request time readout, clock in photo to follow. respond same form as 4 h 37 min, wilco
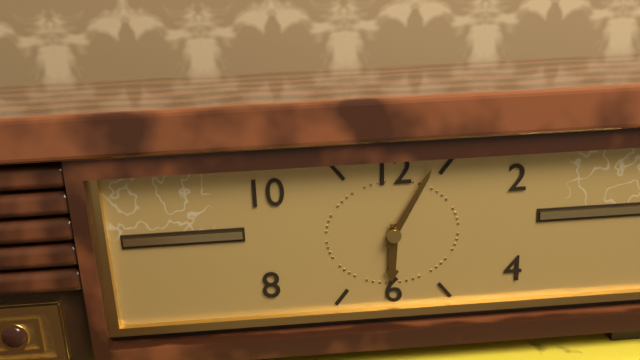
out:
6 h 05 min
